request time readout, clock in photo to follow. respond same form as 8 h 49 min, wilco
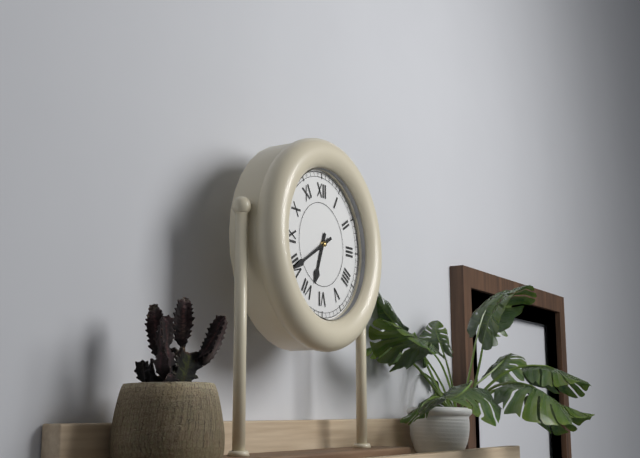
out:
6 h 40 min
